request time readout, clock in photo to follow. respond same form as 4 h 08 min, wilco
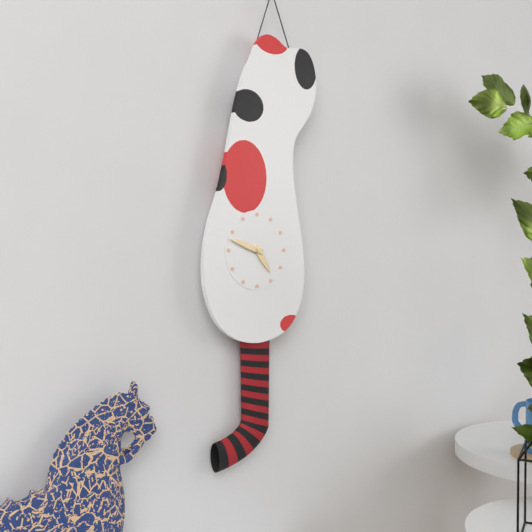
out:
4 h 48 min
